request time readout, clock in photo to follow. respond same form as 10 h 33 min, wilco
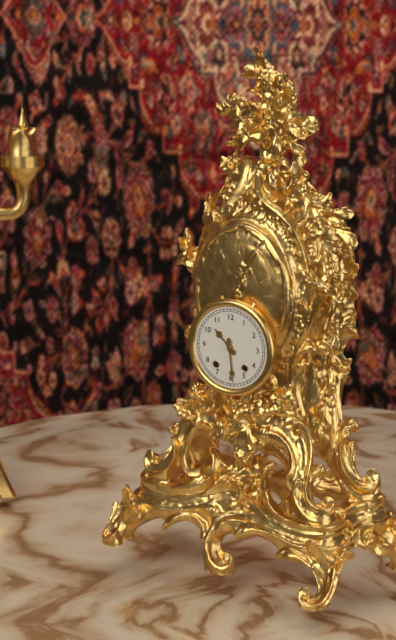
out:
10 h 29 min
